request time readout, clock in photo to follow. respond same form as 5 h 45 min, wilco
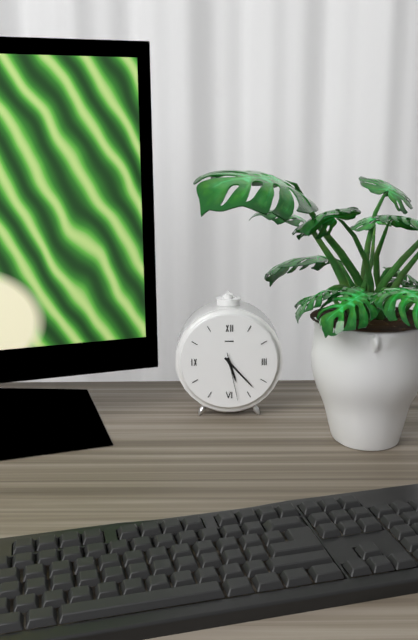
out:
5 h 23 min
